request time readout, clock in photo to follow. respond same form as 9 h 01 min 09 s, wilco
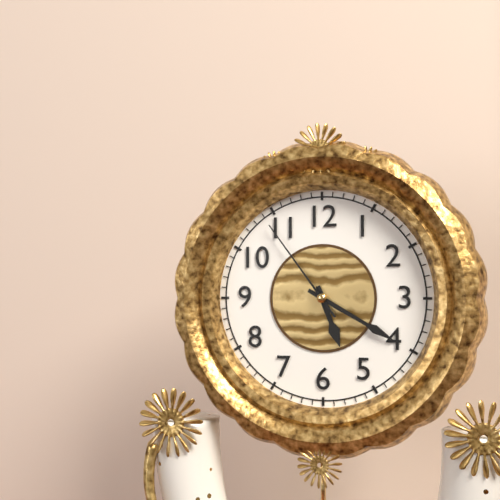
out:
5 h 20 min 54 s
